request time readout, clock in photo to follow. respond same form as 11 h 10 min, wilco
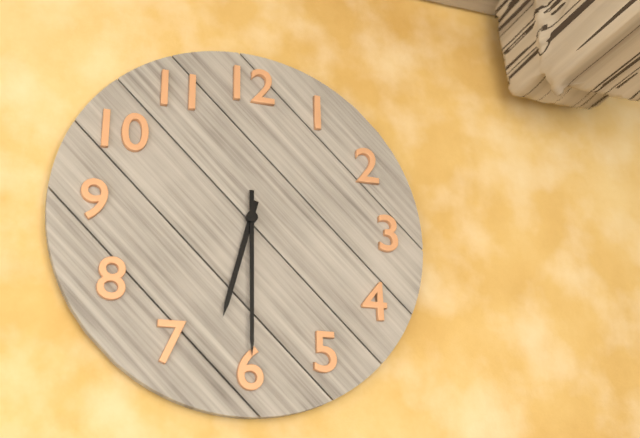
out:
6 h 30 min
